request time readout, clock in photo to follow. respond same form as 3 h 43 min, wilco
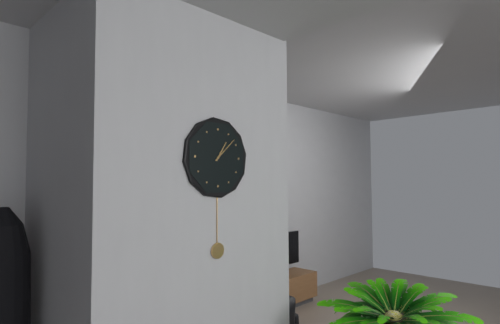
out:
1 h 08 min
